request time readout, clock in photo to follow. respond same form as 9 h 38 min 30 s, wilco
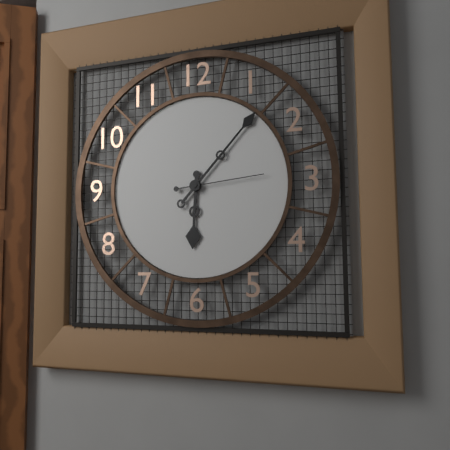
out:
6 h 07 min 14 s
